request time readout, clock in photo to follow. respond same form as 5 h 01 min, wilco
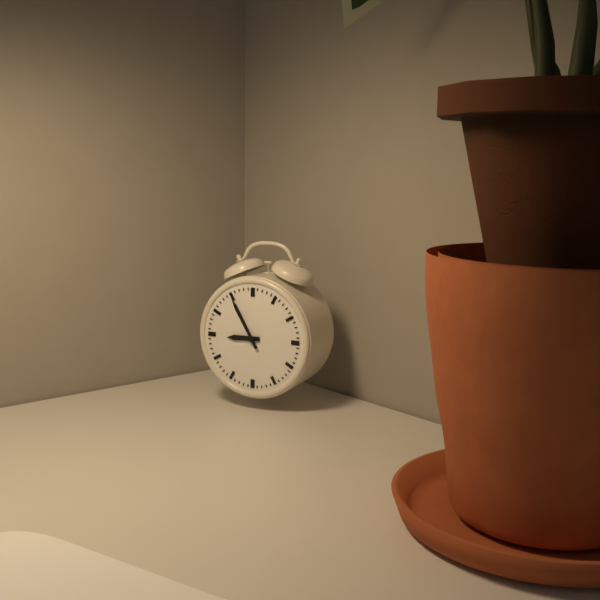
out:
8 h 55 min
